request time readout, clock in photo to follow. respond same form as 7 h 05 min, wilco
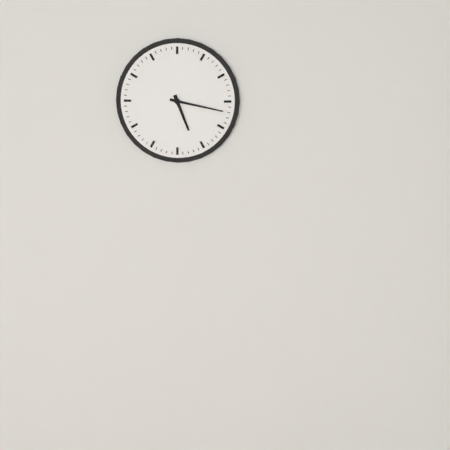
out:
5 h 17 min
